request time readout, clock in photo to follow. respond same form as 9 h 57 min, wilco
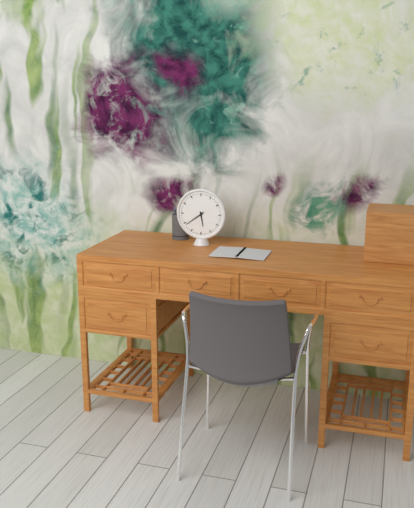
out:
5 h 39 min
